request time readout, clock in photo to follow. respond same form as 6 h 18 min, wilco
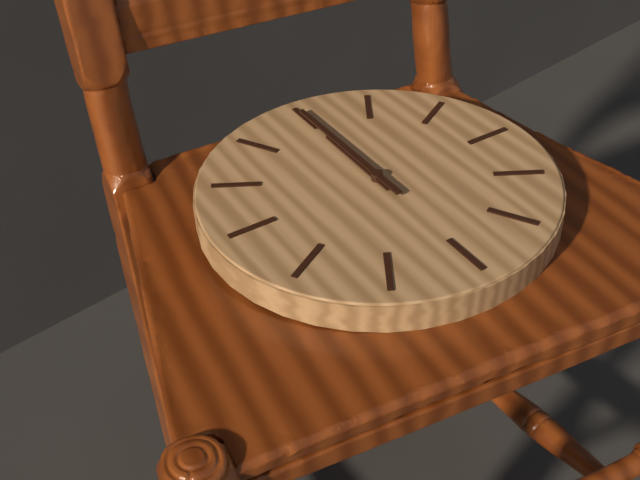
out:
12 h 00 min
